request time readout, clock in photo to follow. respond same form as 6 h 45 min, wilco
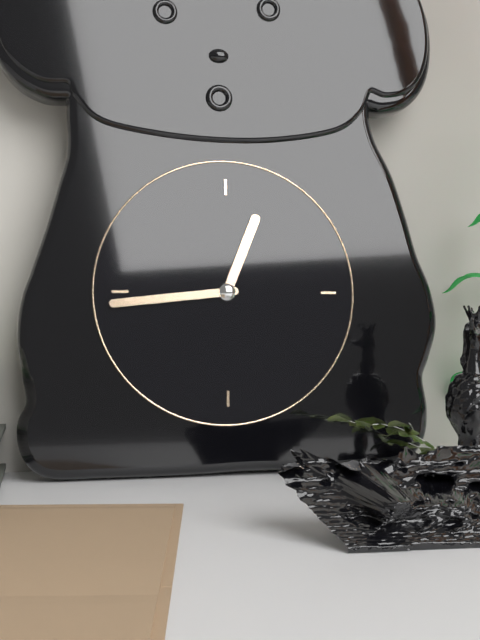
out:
12 h 44 min
